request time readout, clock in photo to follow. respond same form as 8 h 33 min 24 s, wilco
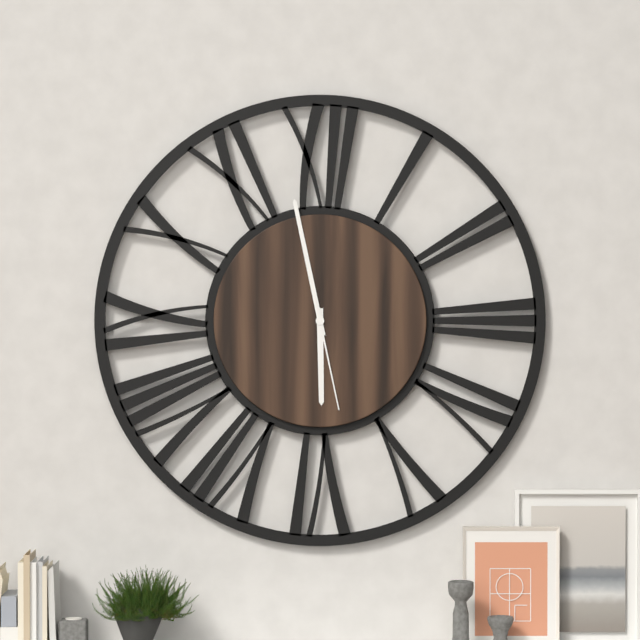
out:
5 h 58 min 28 s
